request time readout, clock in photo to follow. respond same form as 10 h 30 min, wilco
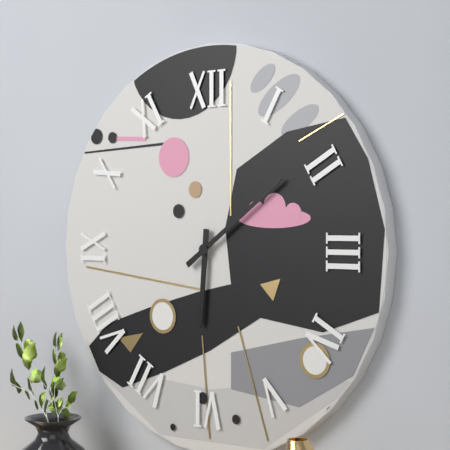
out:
6 h 09 min
